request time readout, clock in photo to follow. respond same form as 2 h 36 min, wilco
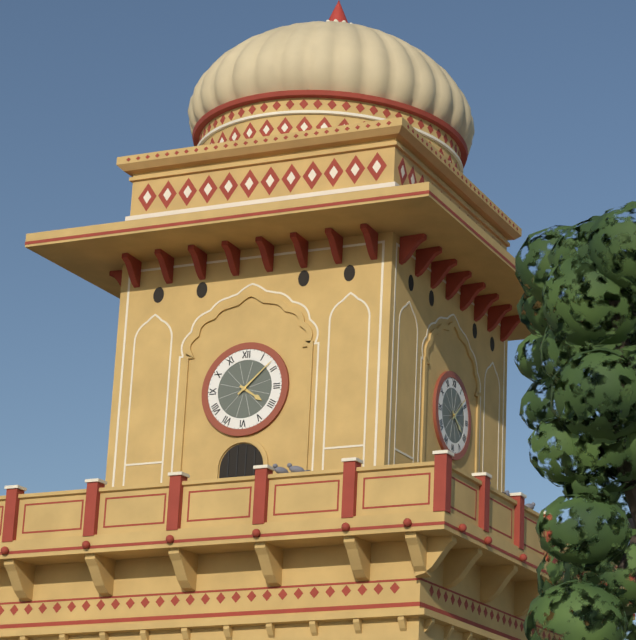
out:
4 h 08 min
